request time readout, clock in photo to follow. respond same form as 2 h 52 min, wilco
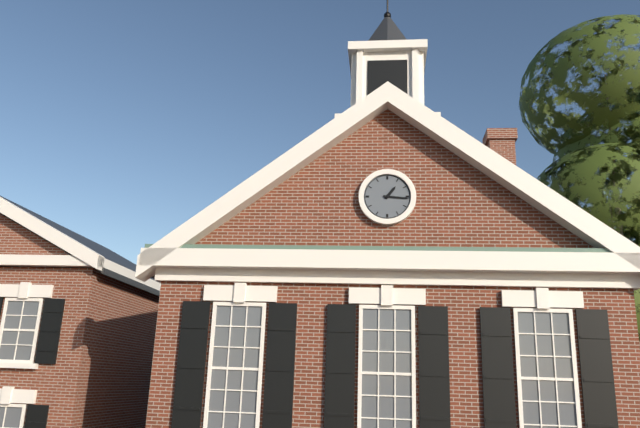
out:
1 h 16 min
